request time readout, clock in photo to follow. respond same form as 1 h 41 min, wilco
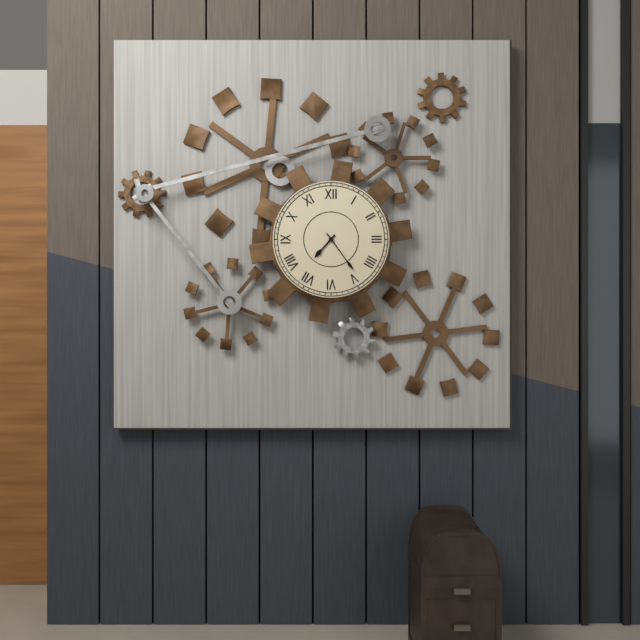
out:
7 h 24 min
